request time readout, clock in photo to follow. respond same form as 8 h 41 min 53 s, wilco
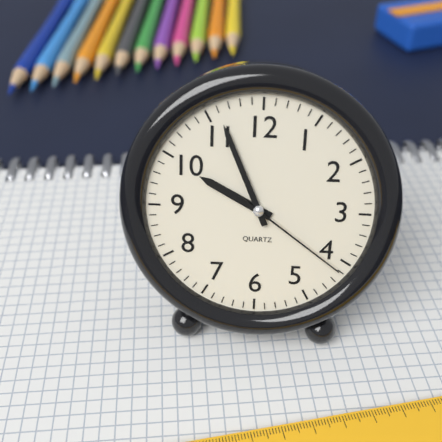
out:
9 h 56 min 21 s
